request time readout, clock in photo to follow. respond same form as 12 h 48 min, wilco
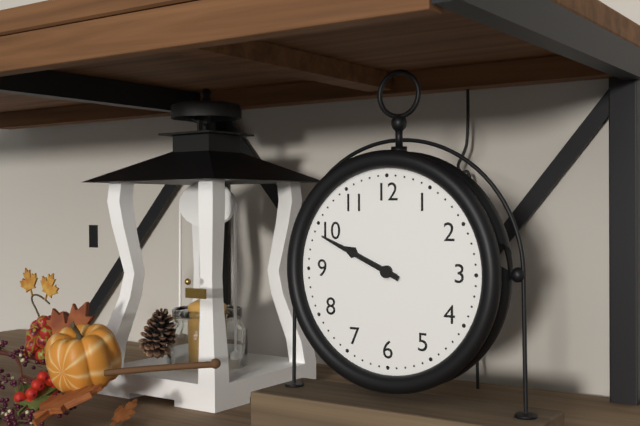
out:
9 h 49 min
